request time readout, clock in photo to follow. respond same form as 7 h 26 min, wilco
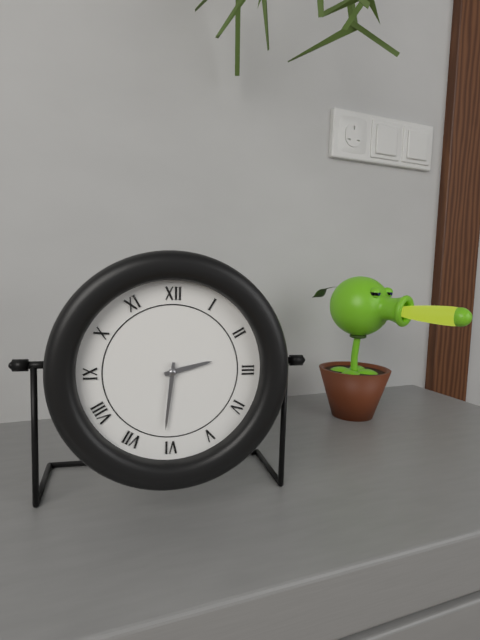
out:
2 h 31 min
